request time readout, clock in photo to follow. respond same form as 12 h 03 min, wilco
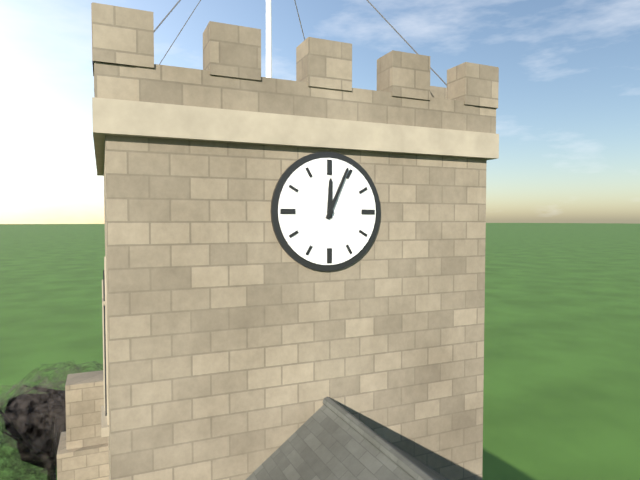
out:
12 h 04 min
